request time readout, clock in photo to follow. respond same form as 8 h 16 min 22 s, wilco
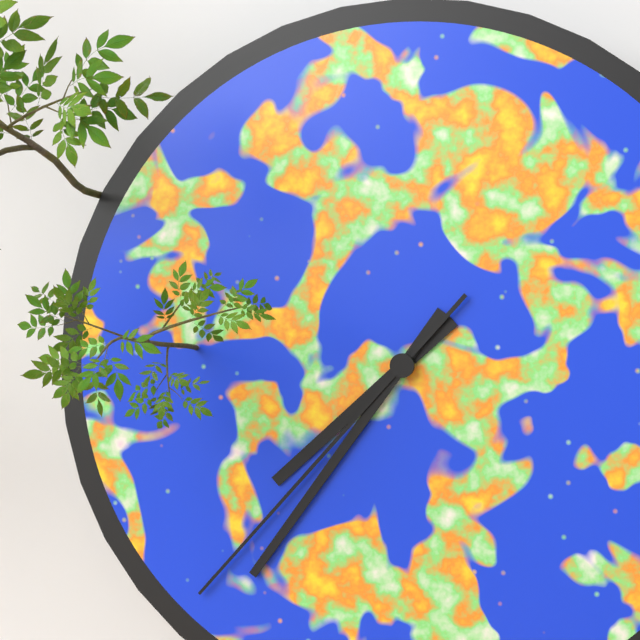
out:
7 h 36 min 37 s
